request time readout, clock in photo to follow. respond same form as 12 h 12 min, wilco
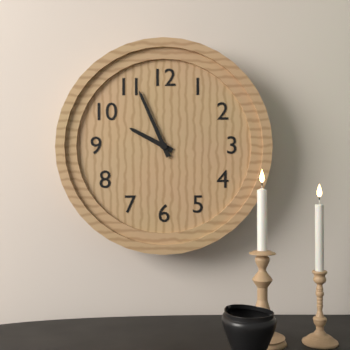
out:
9 h 56 min
